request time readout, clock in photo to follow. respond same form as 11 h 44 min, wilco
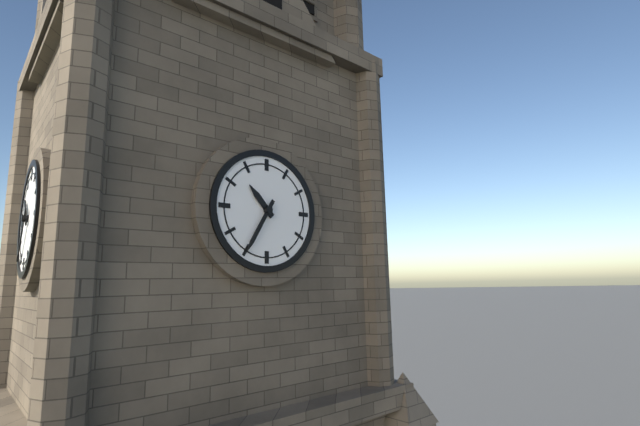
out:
10 h 35 min
